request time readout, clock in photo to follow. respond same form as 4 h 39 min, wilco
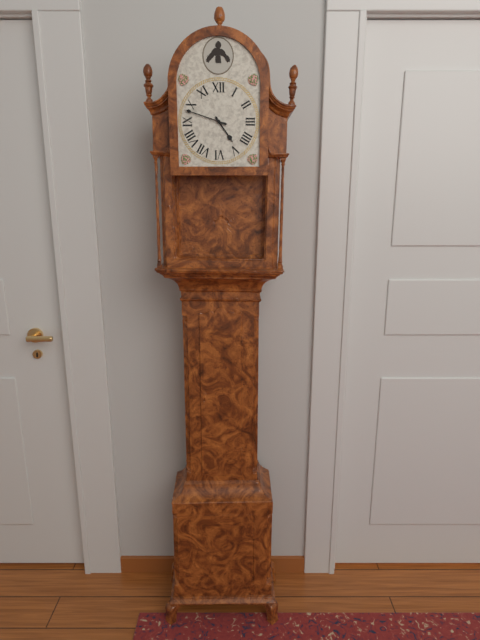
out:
4 h 48 min
